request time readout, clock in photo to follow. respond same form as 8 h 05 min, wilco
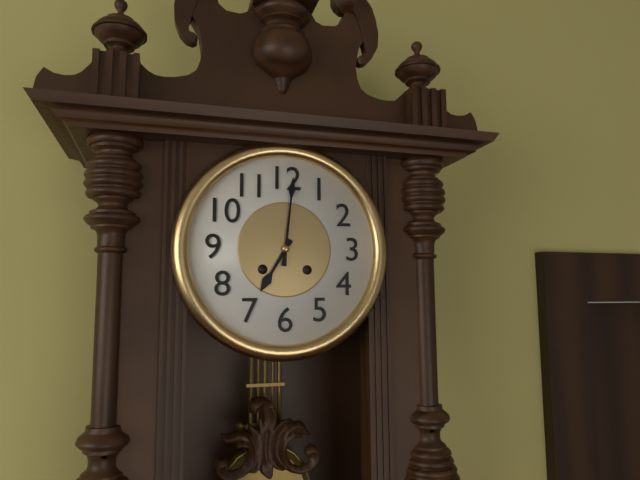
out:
7 h 01 min
